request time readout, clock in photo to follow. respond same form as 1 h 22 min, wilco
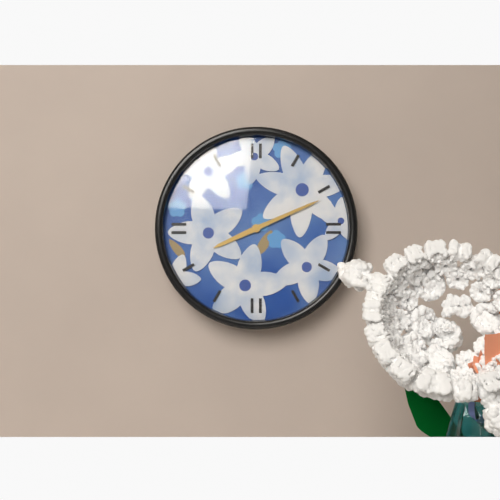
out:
8 h 11 min
